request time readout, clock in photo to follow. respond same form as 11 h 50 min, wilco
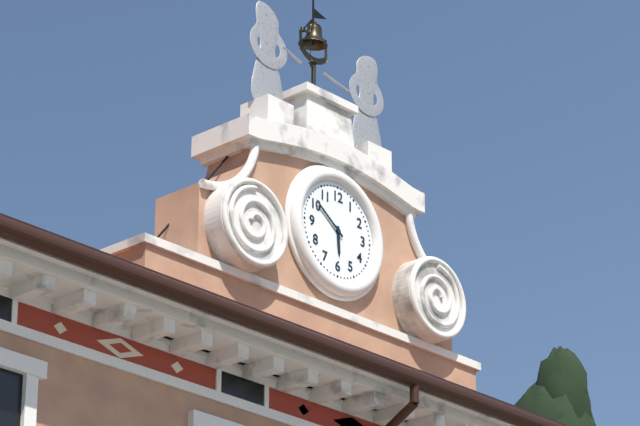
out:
5 h 51 min
